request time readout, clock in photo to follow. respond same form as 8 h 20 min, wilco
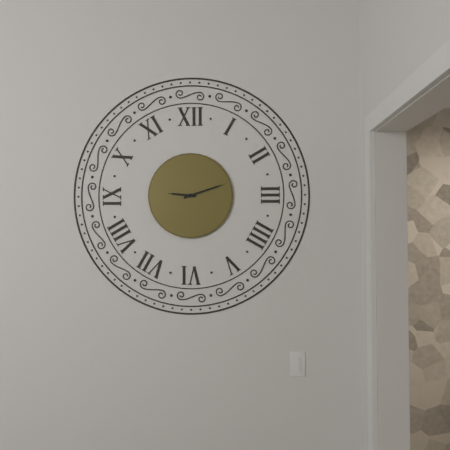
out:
9 h 12 min
